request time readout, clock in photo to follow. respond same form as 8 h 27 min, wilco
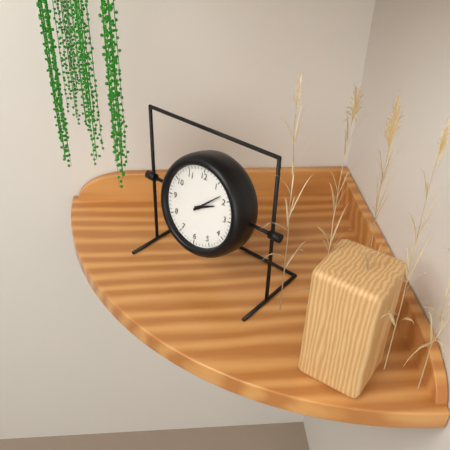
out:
2 h 08 min
